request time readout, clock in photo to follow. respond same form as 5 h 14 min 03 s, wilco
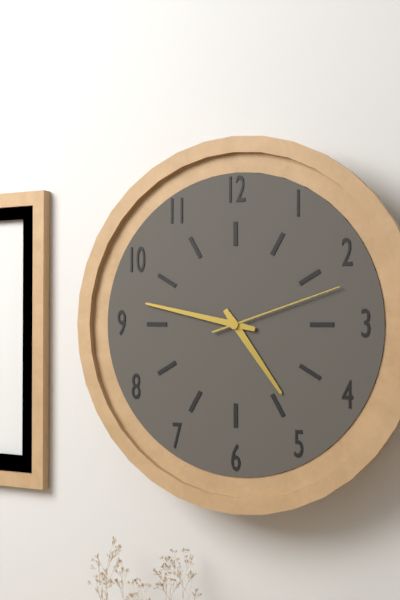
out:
4 h 47 min 12 s
